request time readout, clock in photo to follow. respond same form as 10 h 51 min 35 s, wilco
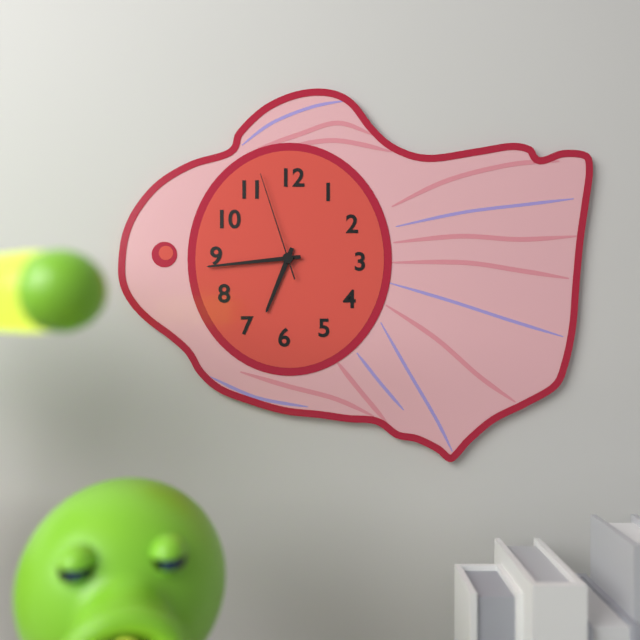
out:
6 h 44 min 57 s
